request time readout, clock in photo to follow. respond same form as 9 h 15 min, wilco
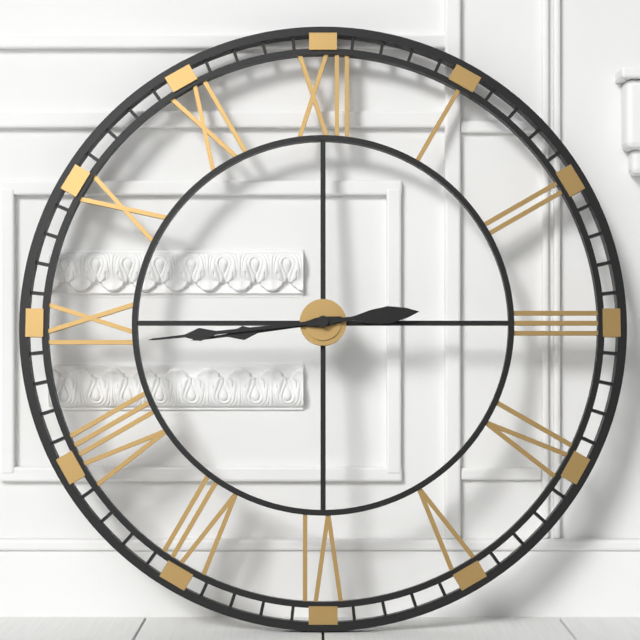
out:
8 h 44 min
